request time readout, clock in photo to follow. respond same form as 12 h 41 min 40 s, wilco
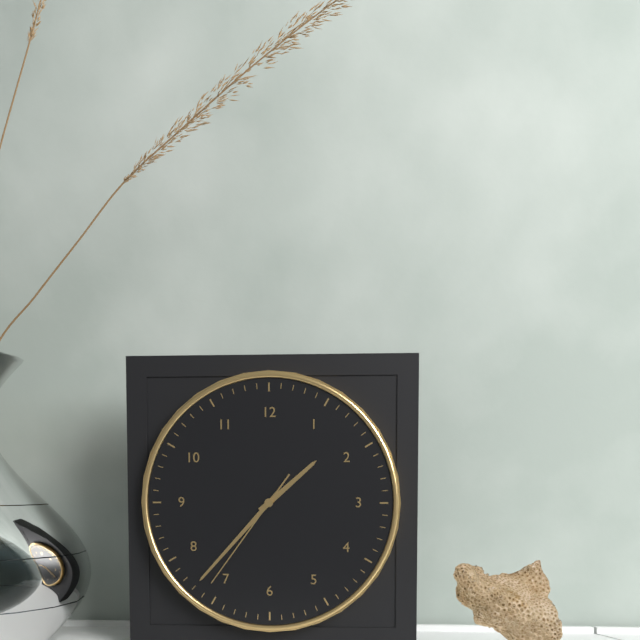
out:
1 h 37 min 36 s
